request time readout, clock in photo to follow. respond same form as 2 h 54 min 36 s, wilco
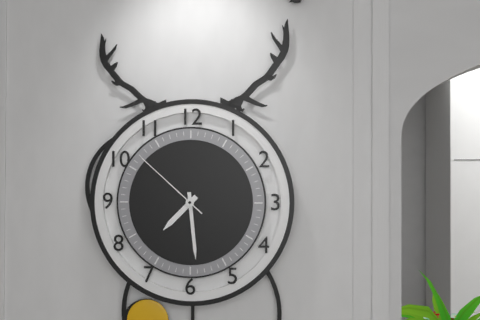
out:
7 h 29 min 52 s
